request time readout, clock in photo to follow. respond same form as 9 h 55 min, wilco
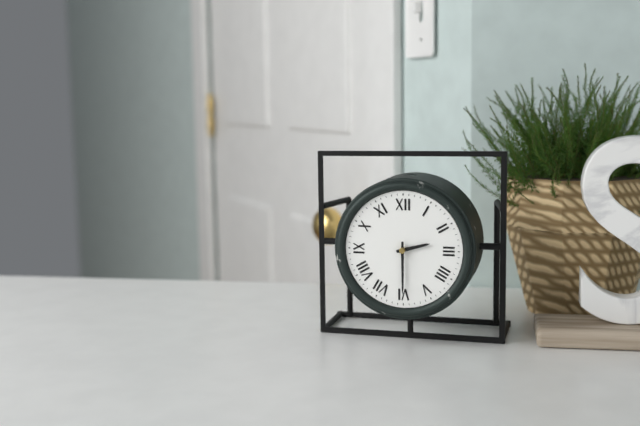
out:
2 h 30 min
